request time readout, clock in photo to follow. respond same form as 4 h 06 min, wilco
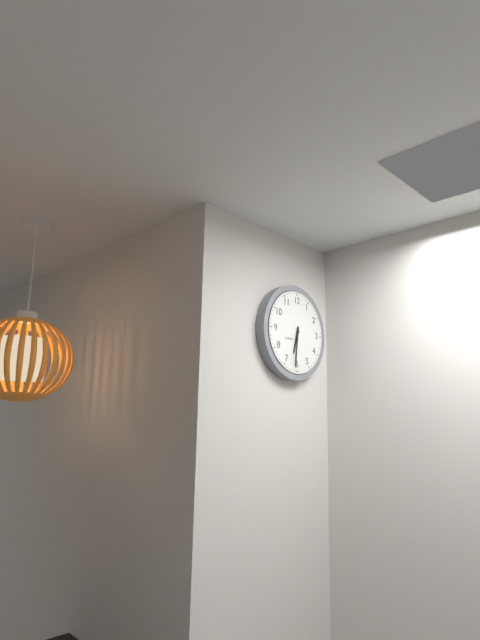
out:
6 h 31 min
